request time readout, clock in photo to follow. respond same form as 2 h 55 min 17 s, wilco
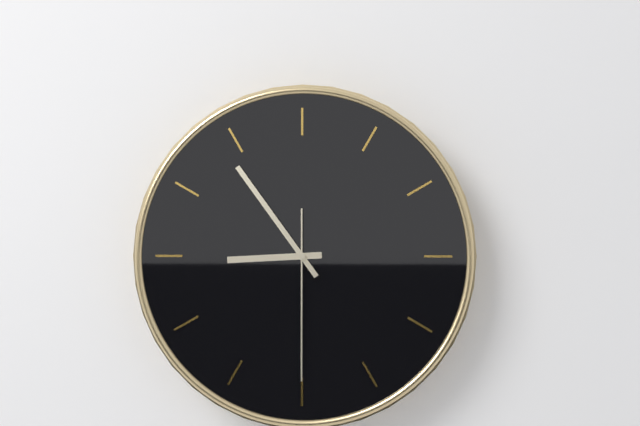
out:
8 h 54 min 30 s
